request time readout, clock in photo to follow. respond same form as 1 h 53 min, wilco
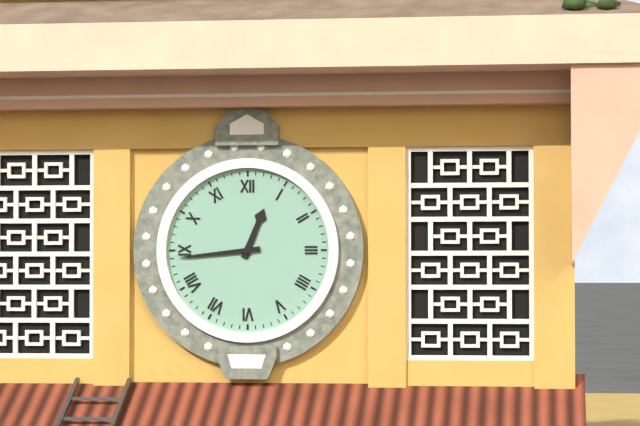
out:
12 h 44 min
